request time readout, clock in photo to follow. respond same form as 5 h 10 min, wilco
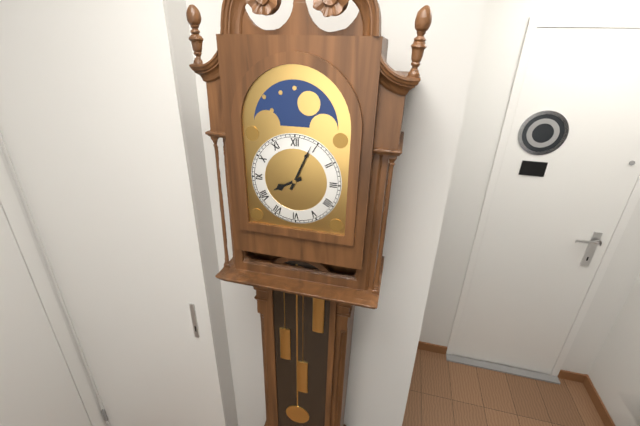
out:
8 h 04 min
